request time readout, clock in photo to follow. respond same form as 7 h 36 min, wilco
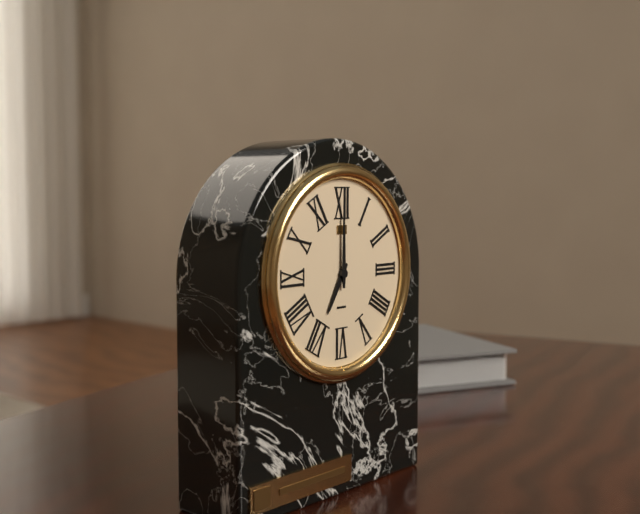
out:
7 h 00 min
